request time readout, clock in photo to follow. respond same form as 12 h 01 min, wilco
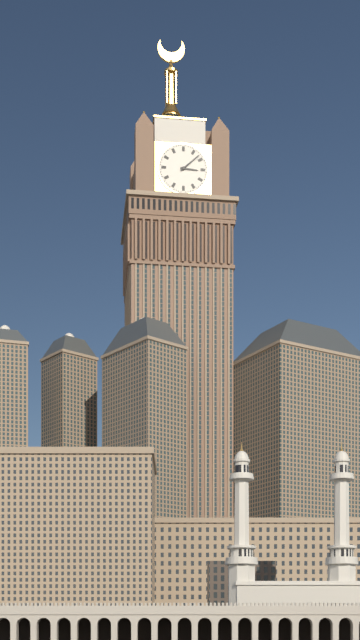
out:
3 h 08 min
